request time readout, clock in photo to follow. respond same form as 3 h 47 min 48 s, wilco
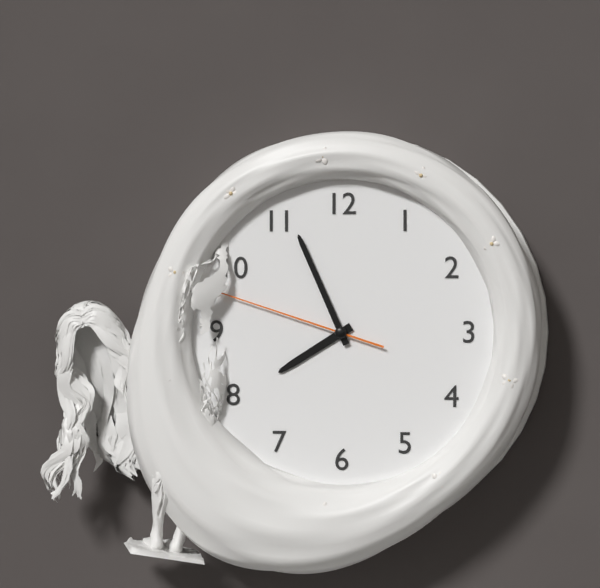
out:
7 h 56 min 48 s
